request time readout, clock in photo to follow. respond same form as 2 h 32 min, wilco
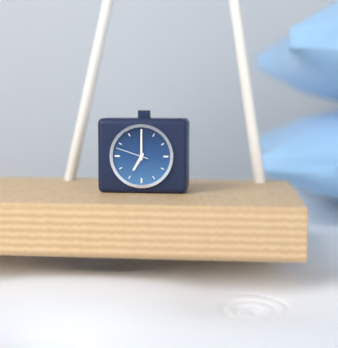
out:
7 h 00 min
